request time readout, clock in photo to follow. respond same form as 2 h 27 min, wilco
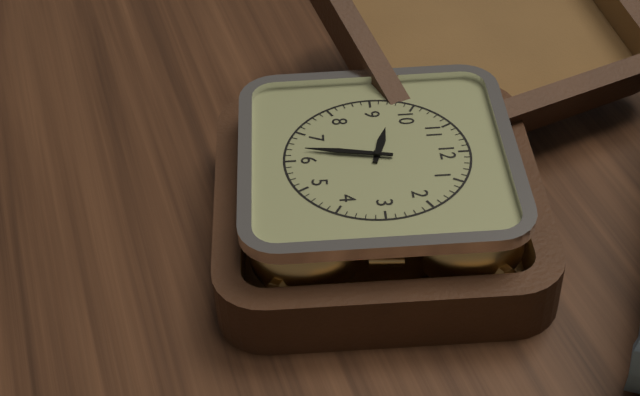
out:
9 h 32 min
